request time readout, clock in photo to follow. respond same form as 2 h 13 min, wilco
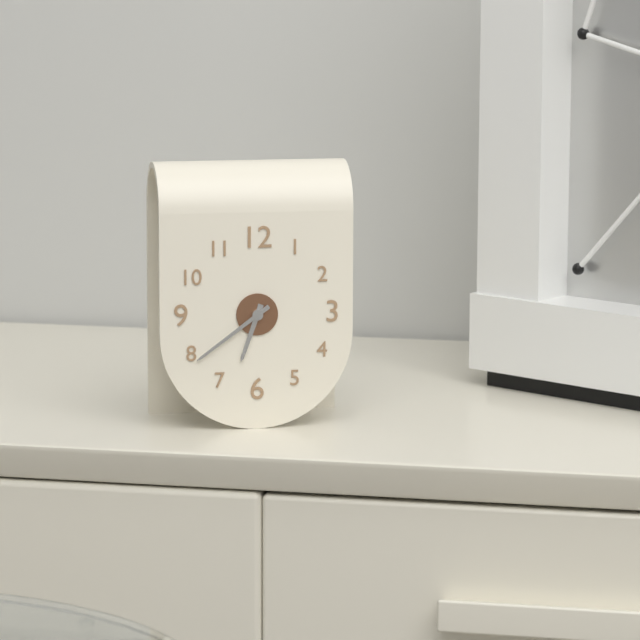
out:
6 h 39 min
